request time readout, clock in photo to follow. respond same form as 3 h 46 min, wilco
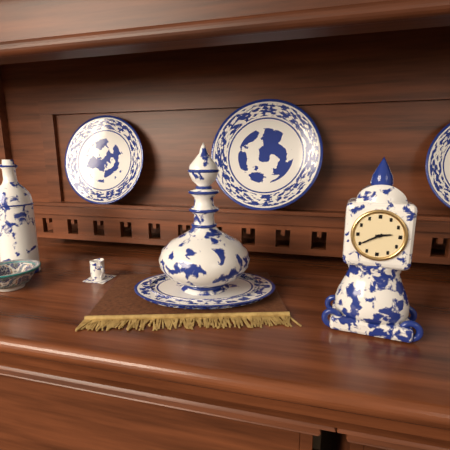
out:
2 h 40 min
